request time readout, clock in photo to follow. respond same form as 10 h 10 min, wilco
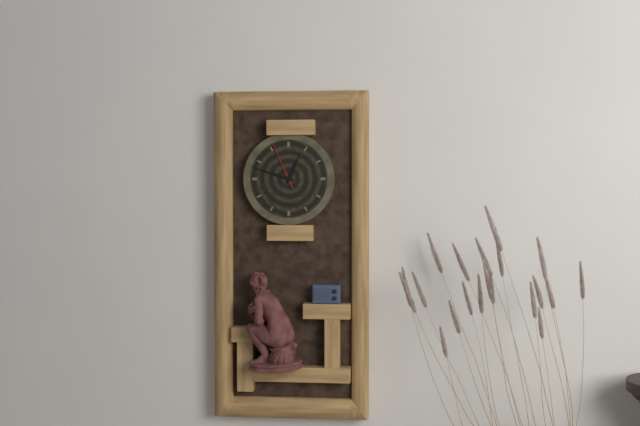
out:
12 h 48 min
